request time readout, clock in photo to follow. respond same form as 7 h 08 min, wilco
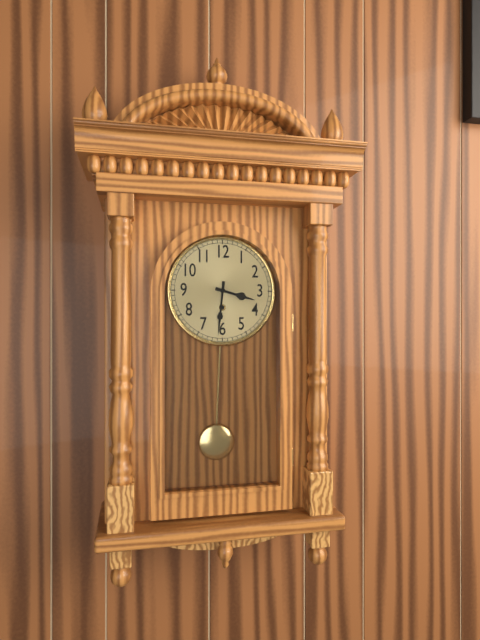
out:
3 h 31 min
